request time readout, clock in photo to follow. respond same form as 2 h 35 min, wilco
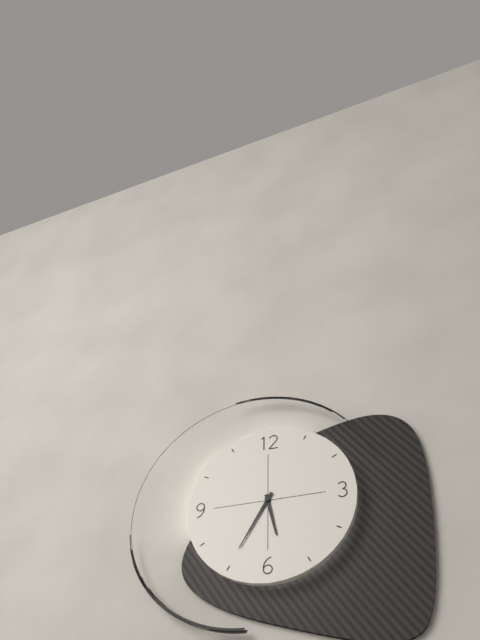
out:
5 h 35 min
